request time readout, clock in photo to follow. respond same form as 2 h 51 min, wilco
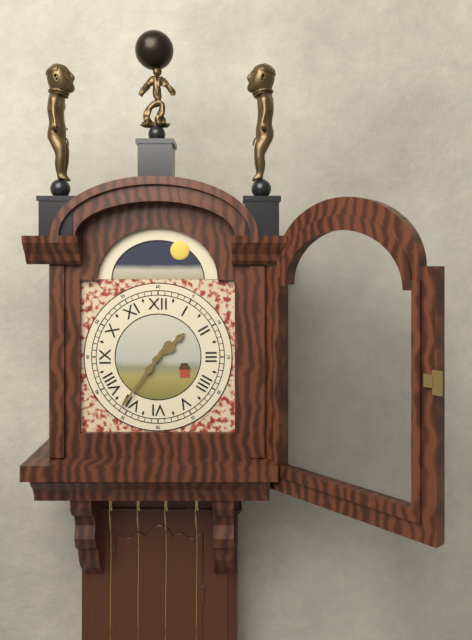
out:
1 h 36 min
